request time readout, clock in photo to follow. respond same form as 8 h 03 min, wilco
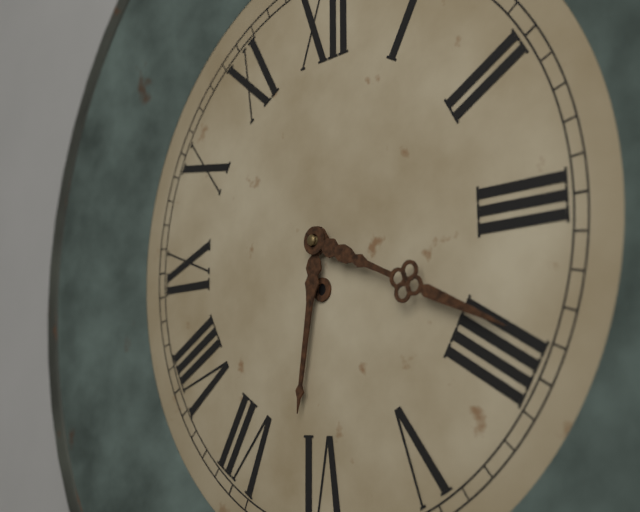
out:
6 h 19 min
